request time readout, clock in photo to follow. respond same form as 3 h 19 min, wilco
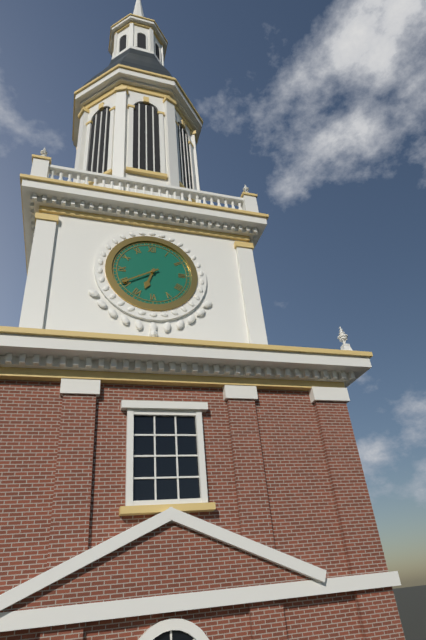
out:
6 h 40 min
